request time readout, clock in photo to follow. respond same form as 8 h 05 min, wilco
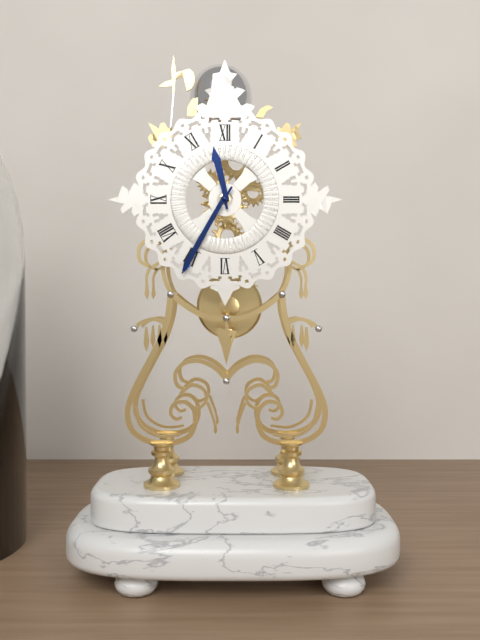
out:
11 h 35 min
